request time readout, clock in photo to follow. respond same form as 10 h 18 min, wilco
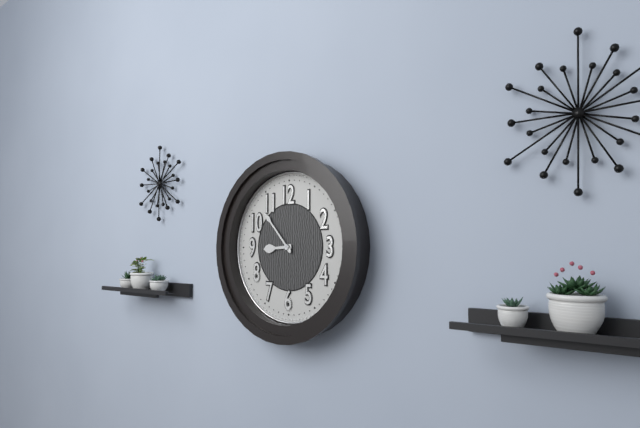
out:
8 h 53 min
